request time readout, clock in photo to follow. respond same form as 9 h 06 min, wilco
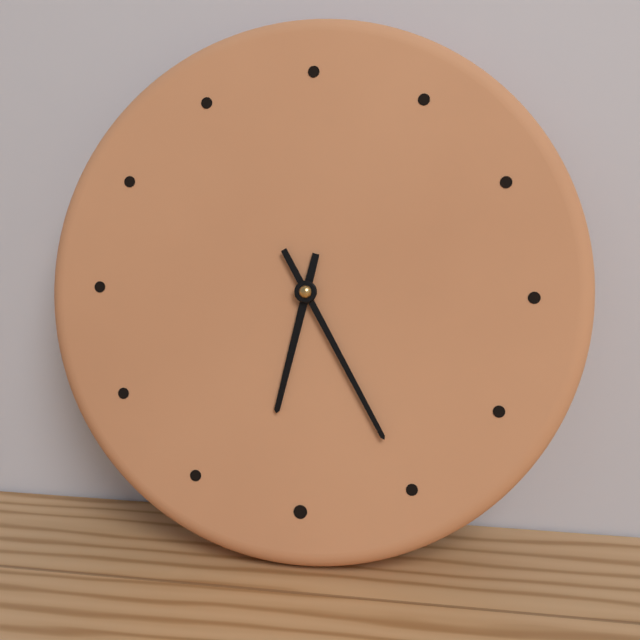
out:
6 h 25 min
